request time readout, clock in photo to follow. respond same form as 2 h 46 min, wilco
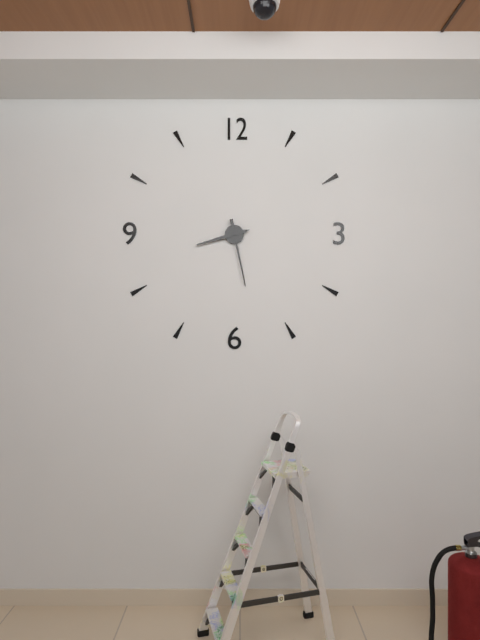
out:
8 h 28 min
